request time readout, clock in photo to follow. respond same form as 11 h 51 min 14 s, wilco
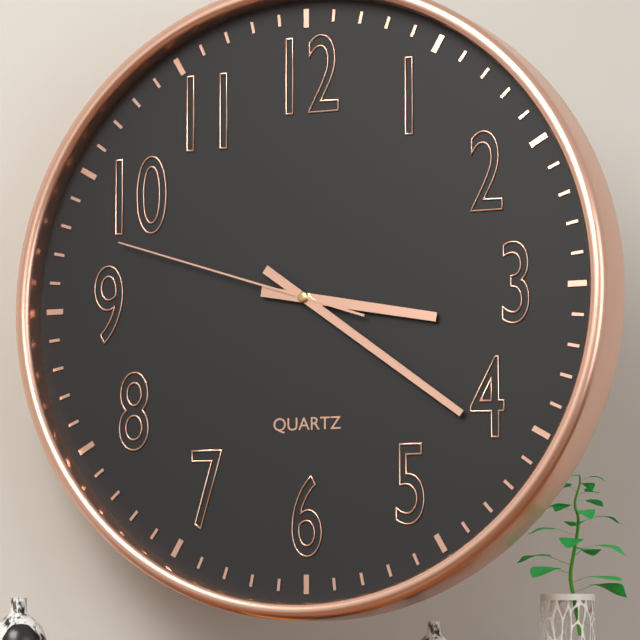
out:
3 h 21 min 48 s
